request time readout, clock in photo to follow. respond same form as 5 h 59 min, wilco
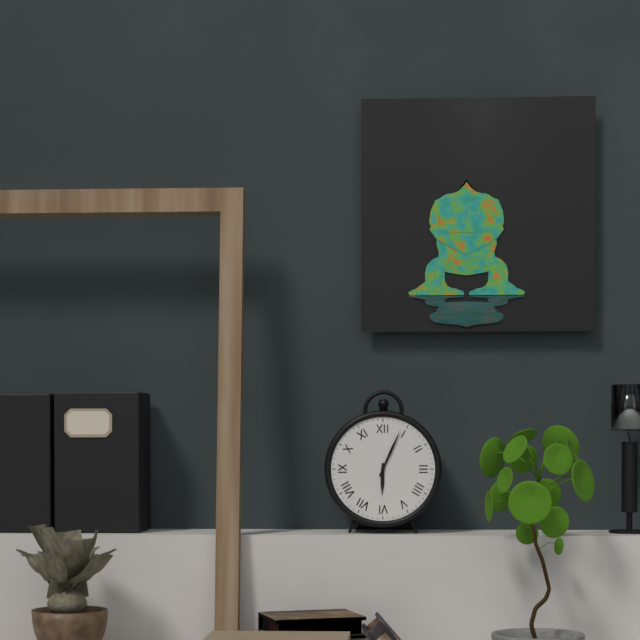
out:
6 h 04 min
